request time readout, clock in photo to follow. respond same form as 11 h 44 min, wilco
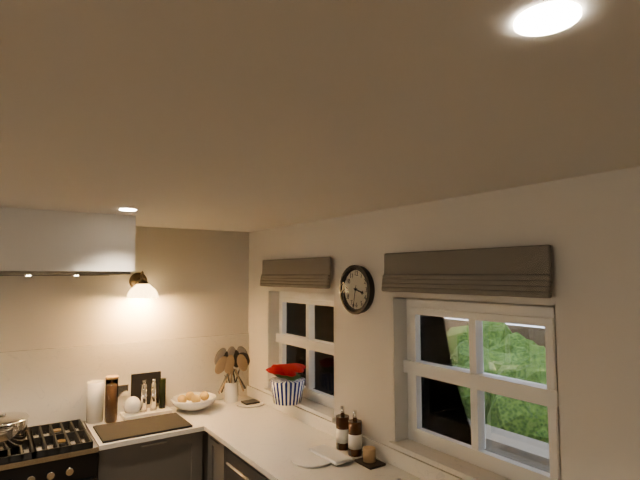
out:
3 h 32 min
